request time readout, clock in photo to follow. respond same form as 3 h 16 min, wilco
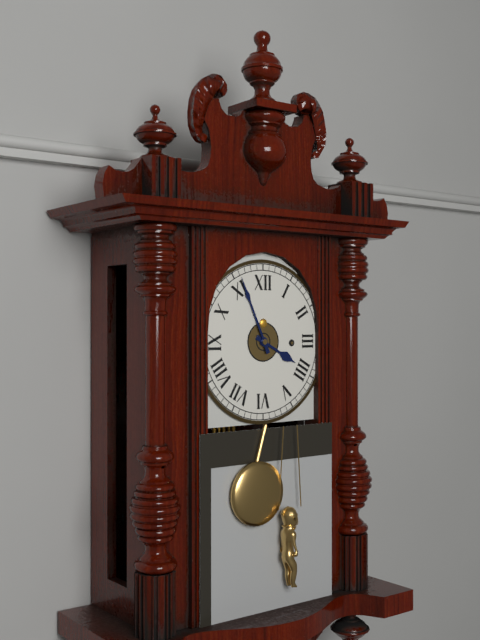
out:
3 h 56 min
